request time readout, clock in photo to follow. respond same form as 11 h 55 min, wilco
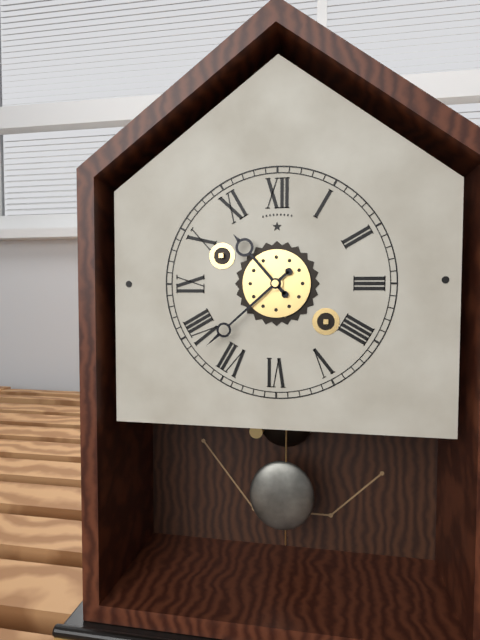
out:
10 h 38 min
